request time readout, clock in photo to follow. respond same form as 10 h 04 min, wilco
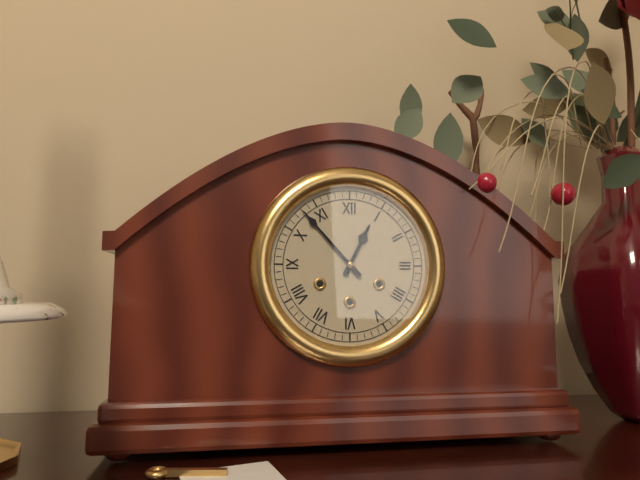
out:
12 h 53 min
